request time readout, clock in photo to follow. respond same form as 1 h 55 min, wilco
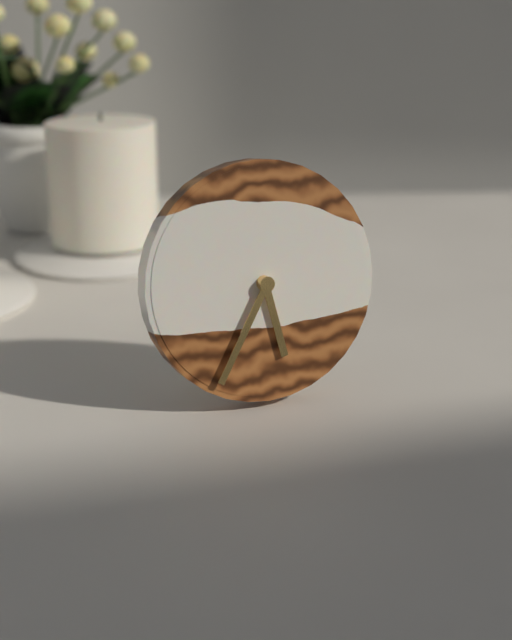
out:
5 h 35 min
